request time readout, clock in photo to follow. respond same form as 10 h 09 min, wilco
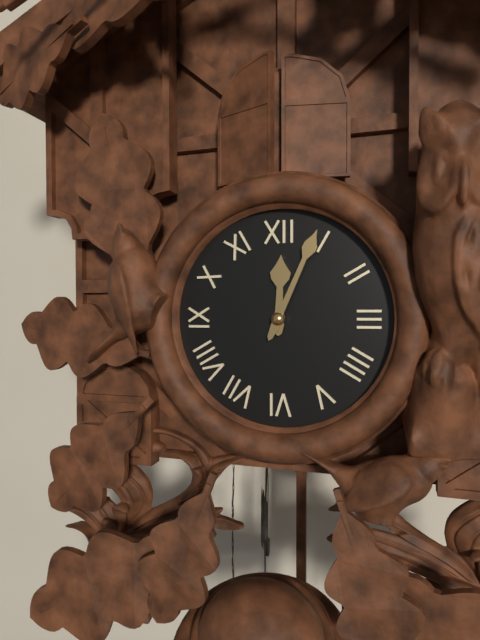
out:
12 h 04 min
